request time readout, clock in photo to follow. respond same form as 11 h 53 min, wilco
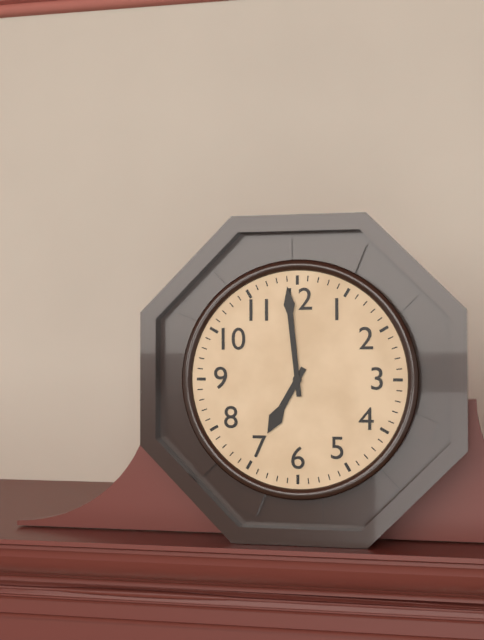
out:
6 h 59 min
